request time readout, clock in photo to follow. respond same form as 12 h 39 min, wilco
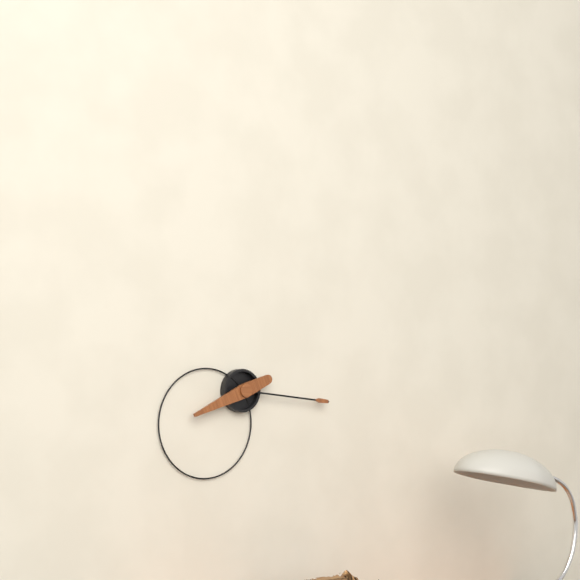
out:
8 h 16 min
